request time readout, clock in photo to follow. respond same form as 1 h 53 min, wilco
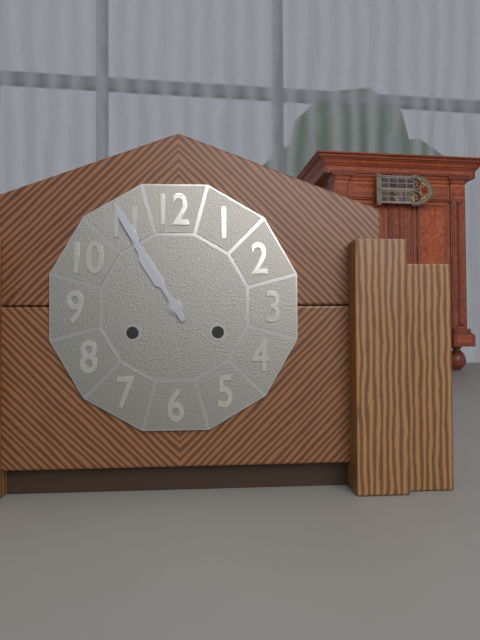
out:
10 h 55 min
